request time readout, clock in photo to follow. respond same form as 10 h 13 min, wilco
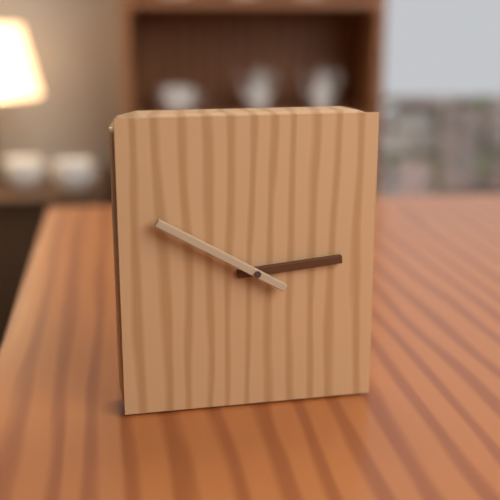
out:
2 h 50 min
